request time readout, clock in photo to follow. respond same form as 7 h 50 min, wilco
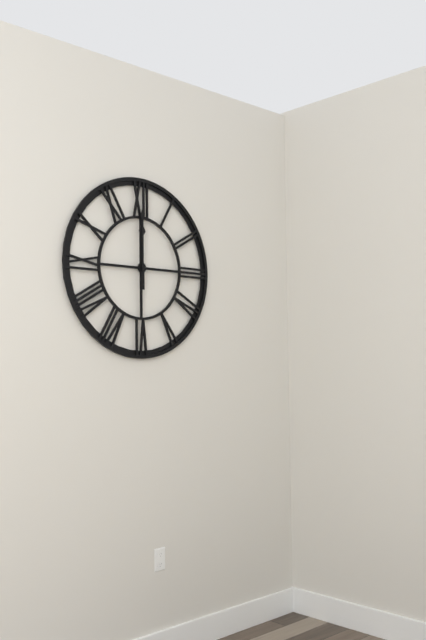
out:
12 h 00 min
